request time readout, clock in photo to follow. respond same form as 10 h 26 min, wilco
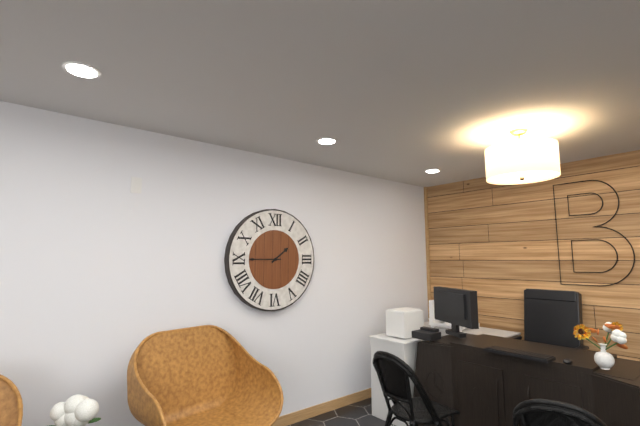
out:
1 h 45 min
